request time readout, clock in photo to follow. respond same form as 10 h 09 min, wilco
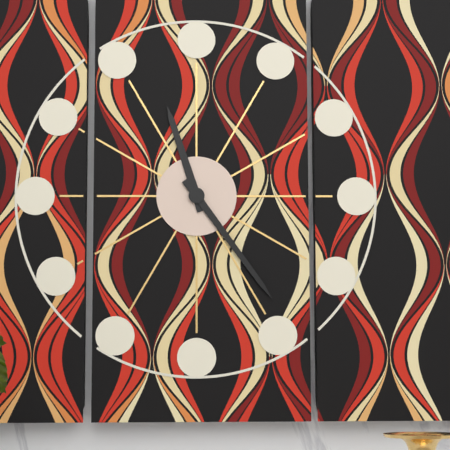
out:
11 h 24 min
